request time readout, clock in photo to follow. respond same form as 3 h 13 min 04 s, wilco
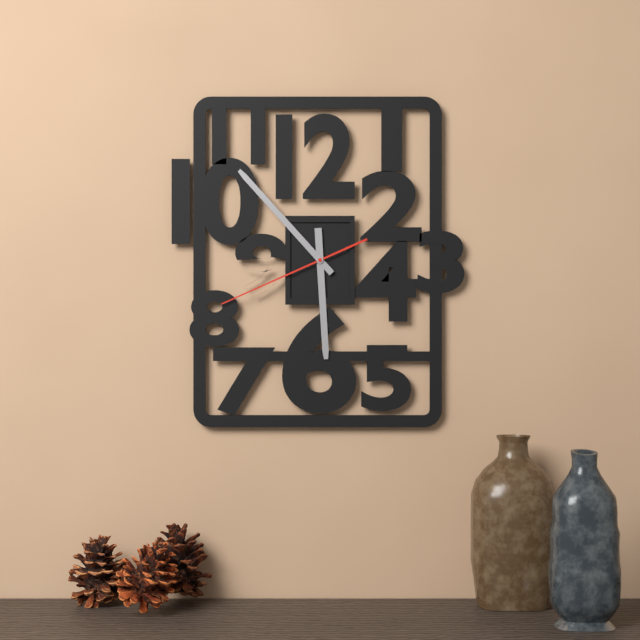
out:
5 h 53 min 41 s
